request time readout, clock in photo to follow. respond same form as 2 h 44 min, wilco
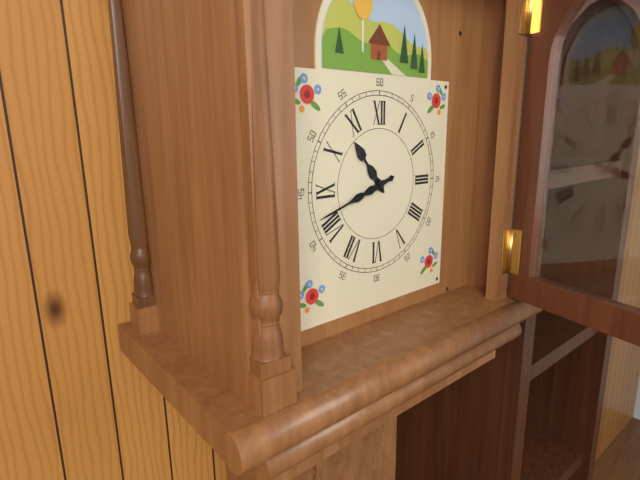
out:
10 h 42 min
